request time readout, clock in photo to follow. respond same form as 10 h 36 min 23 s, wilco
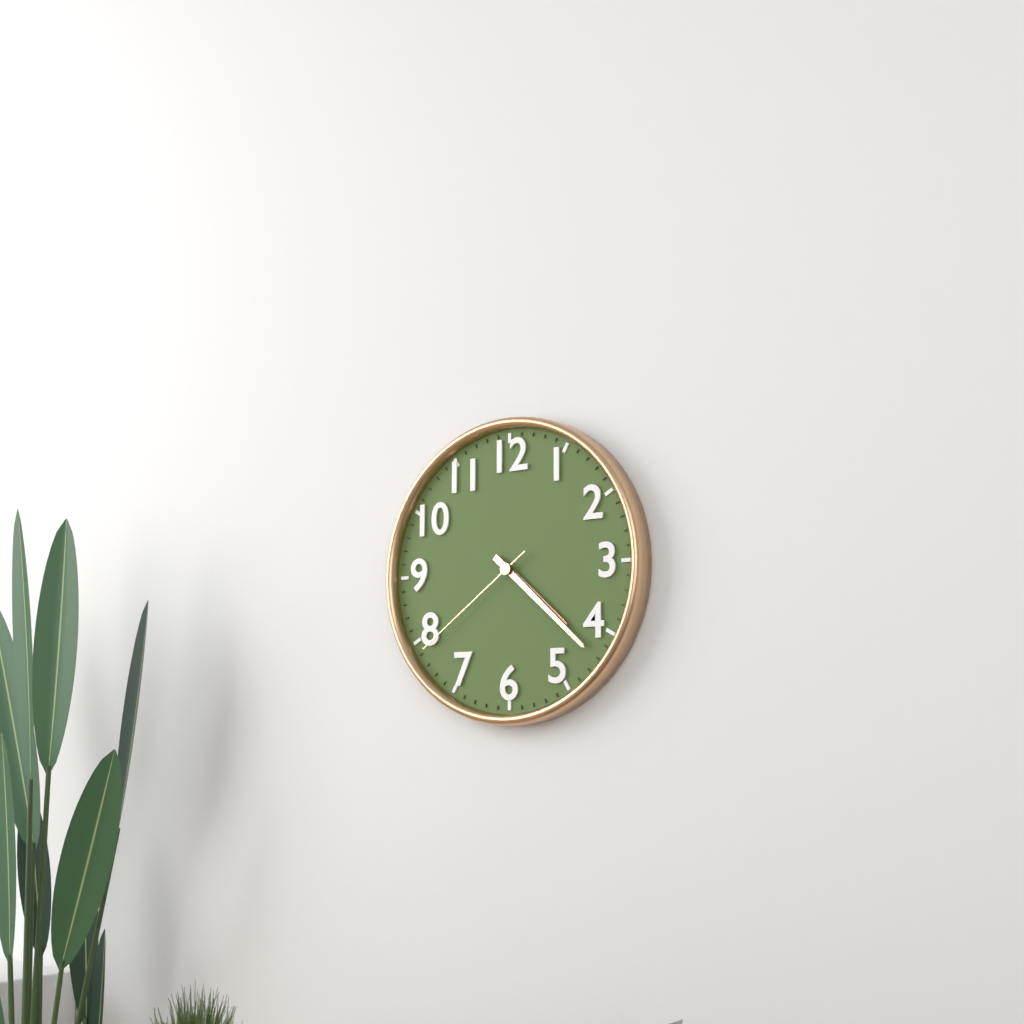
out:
4 h 22 min 39 s
